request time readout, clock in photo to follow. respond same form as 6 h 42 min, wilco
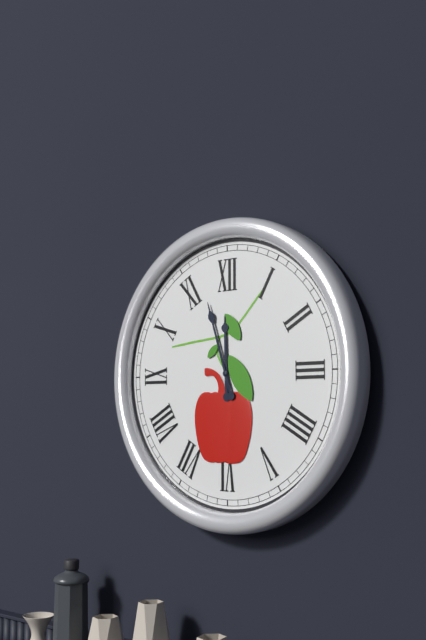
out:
11 h 57 min
